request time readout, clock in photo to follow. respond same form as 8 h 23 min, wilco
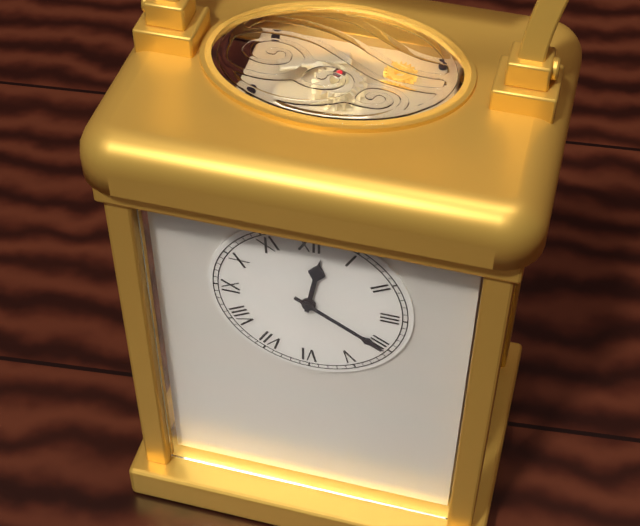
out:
12 h 20 min
